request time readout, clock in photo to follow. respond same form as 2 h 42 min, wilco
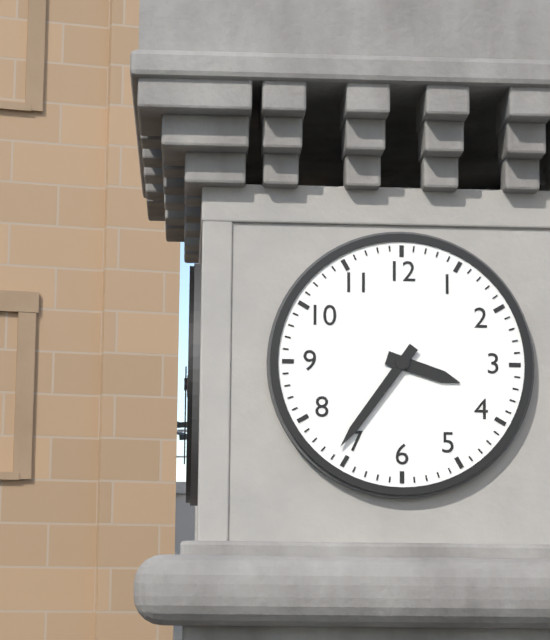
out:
3 h 36 min
